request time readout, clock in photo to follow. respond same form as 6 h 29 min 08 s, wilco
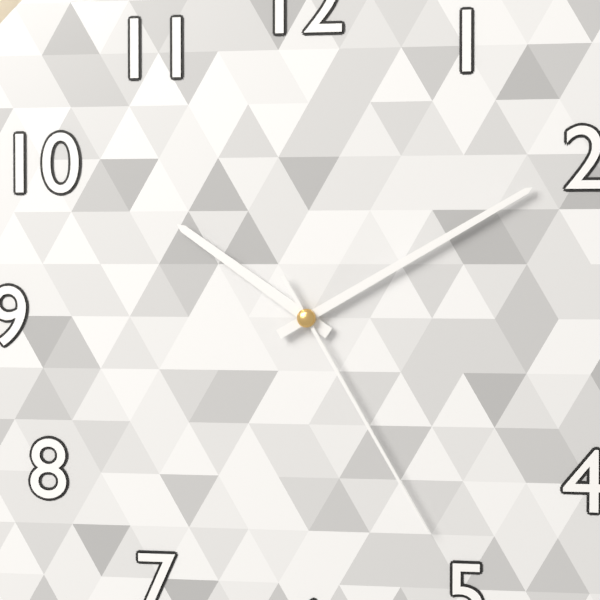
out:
10 h 10 min 25 s
